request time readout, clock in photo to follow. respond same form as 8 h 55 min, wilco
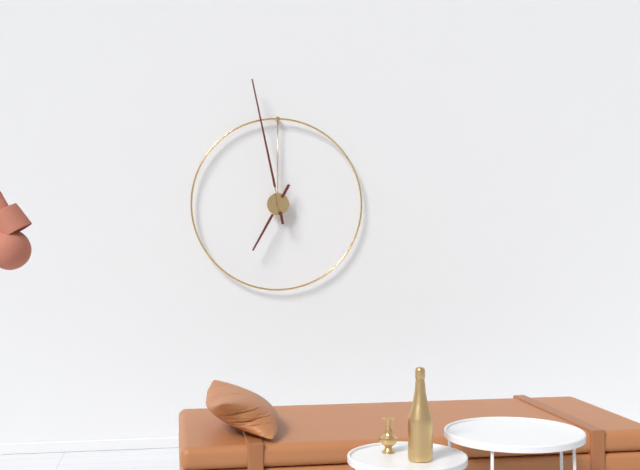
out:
6 h 58 min
